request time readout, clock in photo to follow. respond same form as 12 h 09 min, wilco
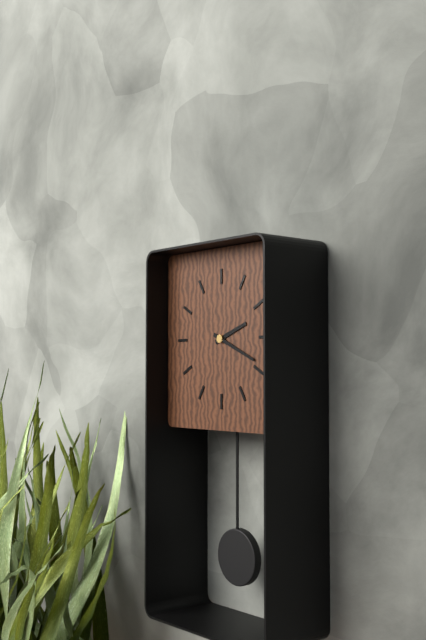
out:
2 h 19 min
